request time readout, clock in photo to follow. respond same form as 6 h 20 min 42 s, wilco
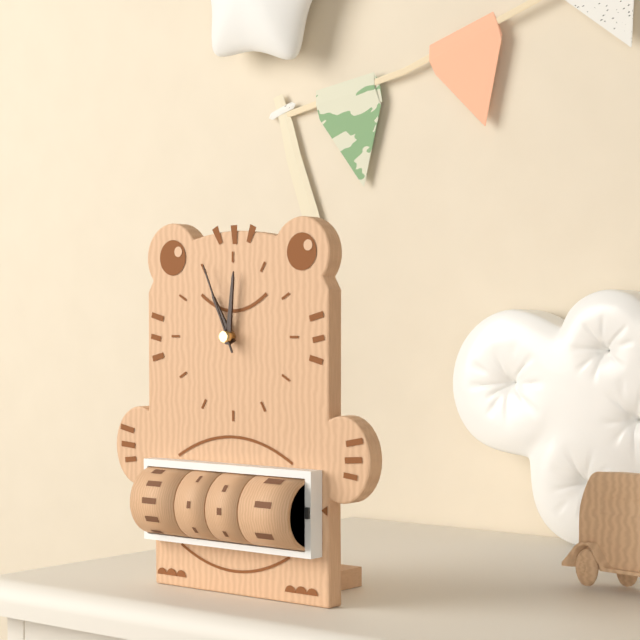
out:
11 h 01 min 56 s
